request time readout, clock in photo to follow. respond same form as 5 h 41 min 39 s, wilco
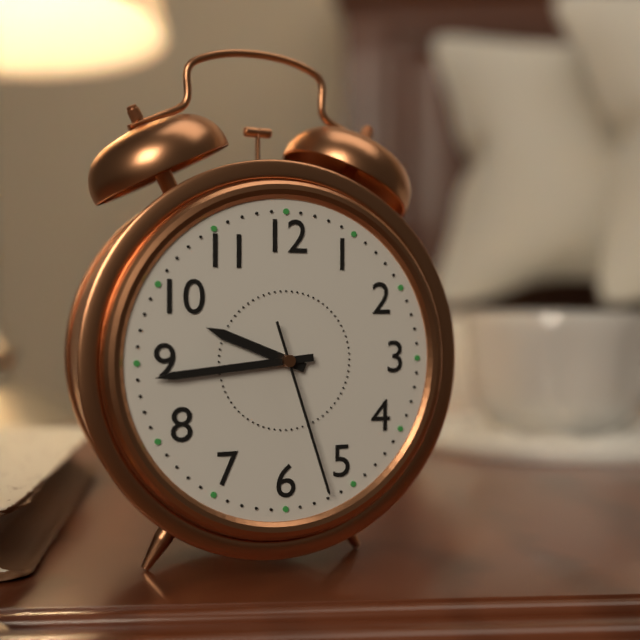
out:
9 h 44 min 27 s
